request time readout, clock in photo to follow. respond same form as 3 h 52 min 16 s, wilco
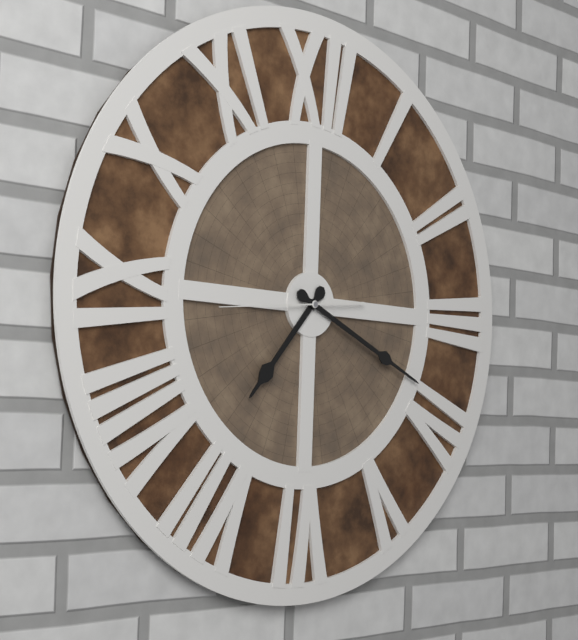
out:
7 h 19 min 44 s
